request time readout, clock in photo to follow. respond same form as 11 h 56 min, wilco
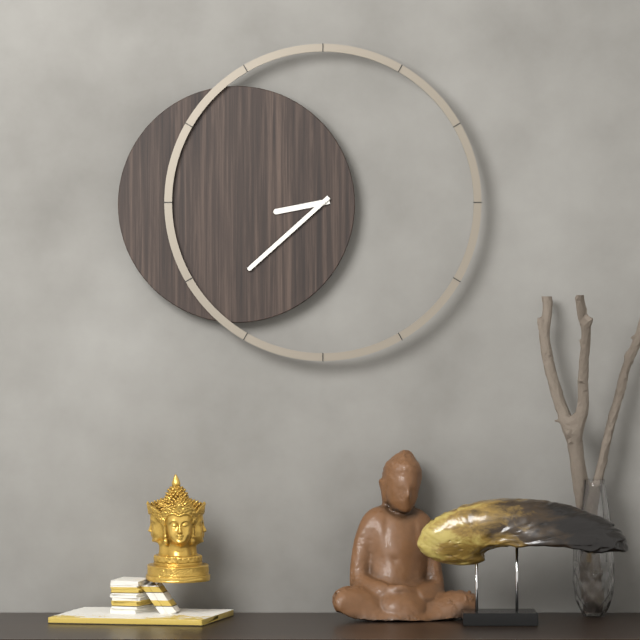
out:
8 h 38 min
